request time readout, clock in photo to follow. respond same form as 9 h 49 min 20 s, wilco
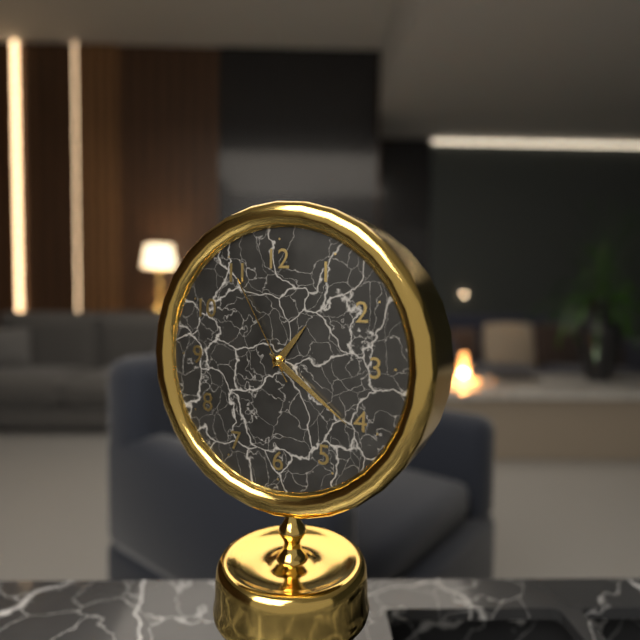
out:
1 h 21 min 55 s
